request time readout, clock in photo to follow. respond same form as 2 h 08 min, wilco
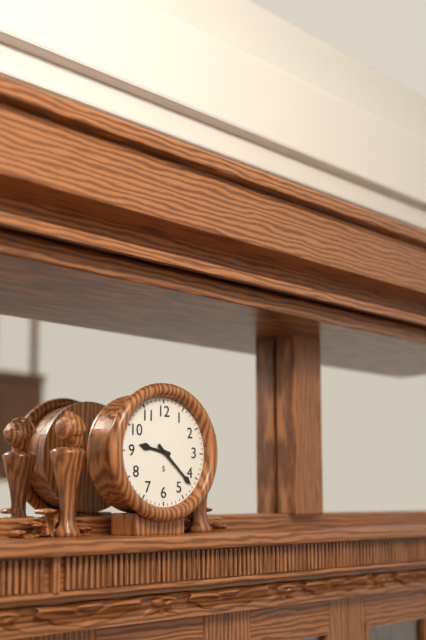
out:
9 h 22 min
